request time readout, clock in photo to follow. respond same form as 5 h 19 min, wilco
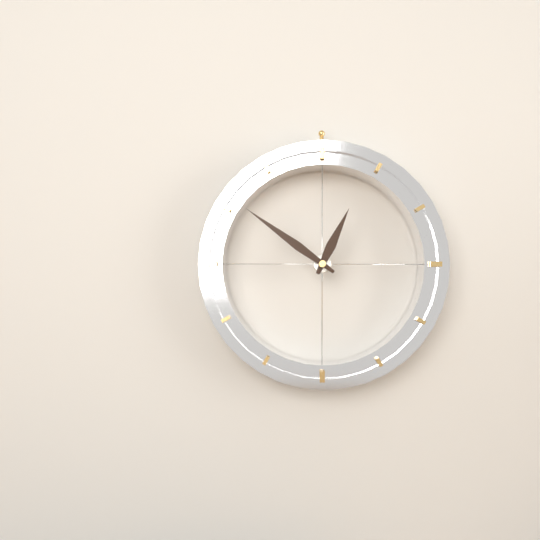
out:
12 h 51 min
